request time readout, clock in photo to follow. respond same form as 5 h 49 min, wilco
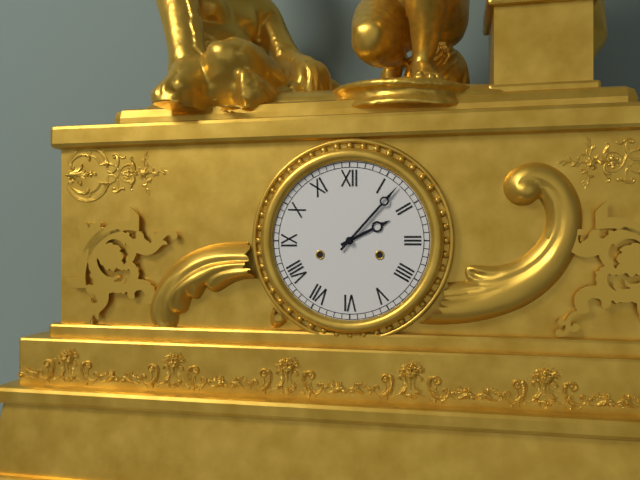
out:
2 h 07 min
